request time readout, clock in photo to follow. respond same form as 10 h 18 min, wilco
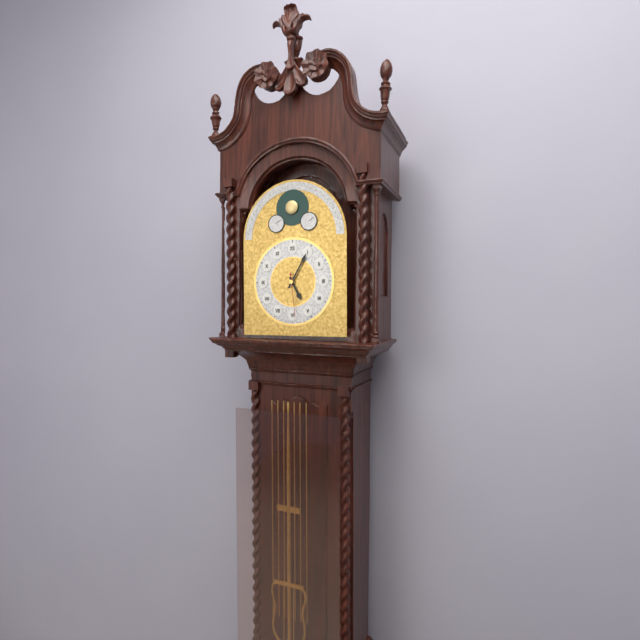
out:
5 h 05 min
